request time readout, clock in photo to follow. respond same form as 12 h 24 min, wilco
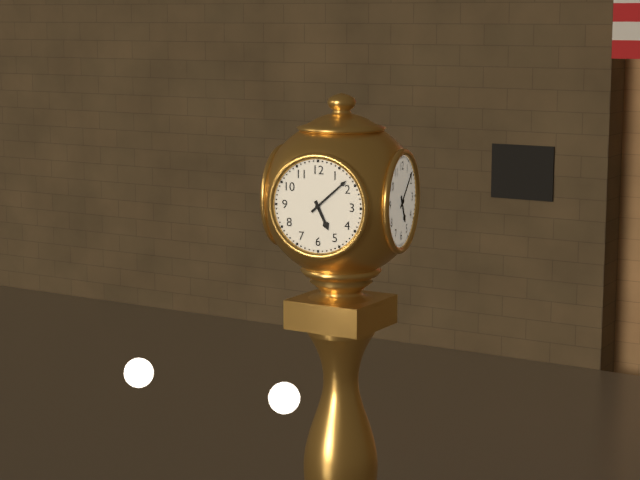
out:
5 h 08 min
